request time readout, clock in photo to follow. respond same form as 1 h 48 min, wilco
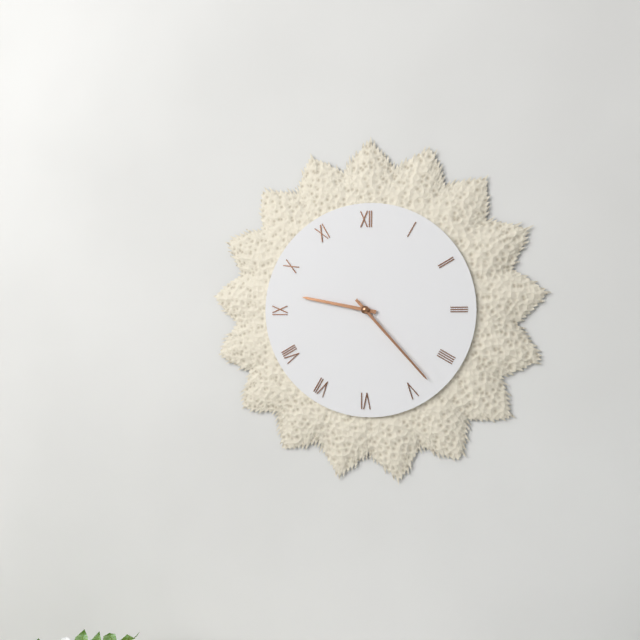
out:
9 h 23 min
